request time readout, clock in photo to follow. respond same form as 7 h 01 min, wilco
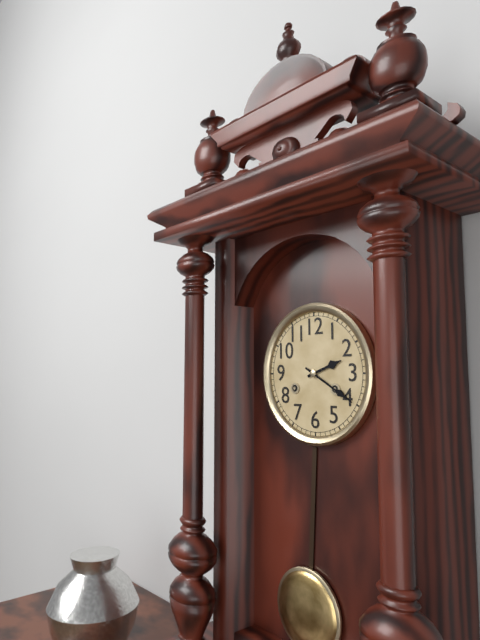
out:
2 h 20 min
